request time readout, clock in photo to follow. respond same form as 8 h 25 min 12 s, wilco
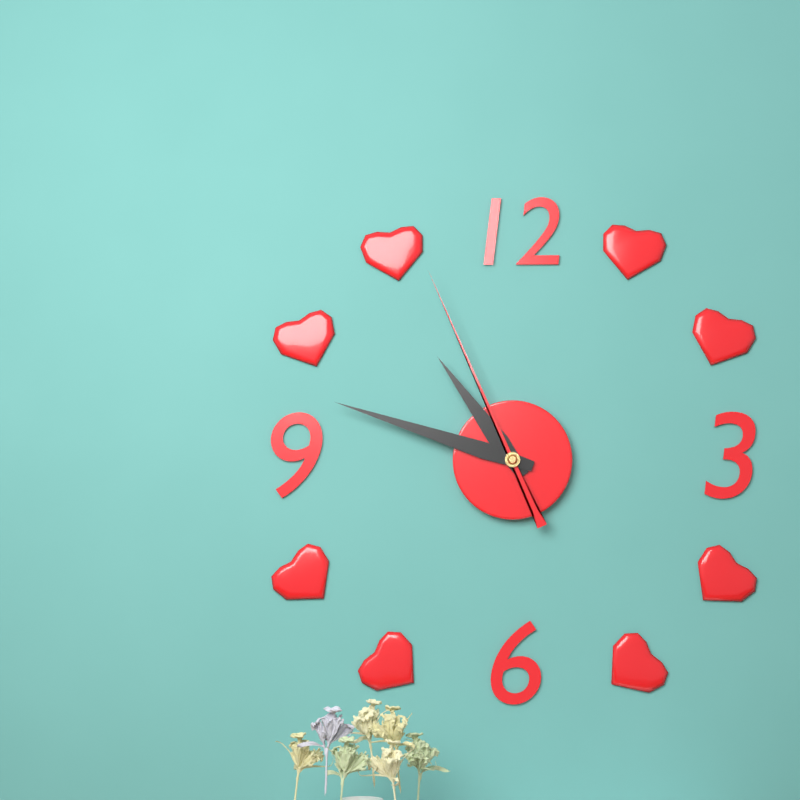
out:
10 h 48 min 56 s
